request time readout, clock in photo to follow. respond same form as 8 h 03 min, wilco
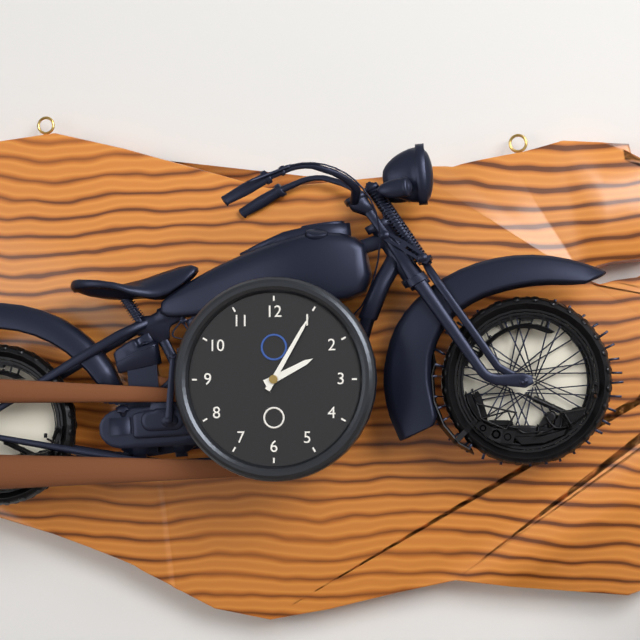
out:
2 h 05 min
